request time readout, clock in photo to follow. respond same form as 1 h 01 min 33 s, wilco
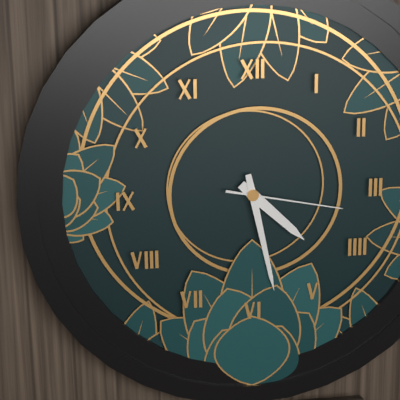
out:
4 h 28 min 17 s
